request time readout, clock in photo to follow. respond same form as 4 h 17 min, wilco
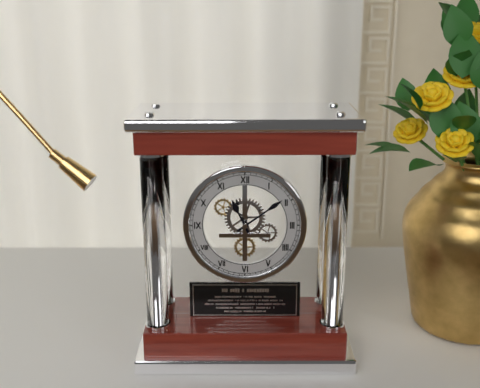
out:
11 h 09 min
